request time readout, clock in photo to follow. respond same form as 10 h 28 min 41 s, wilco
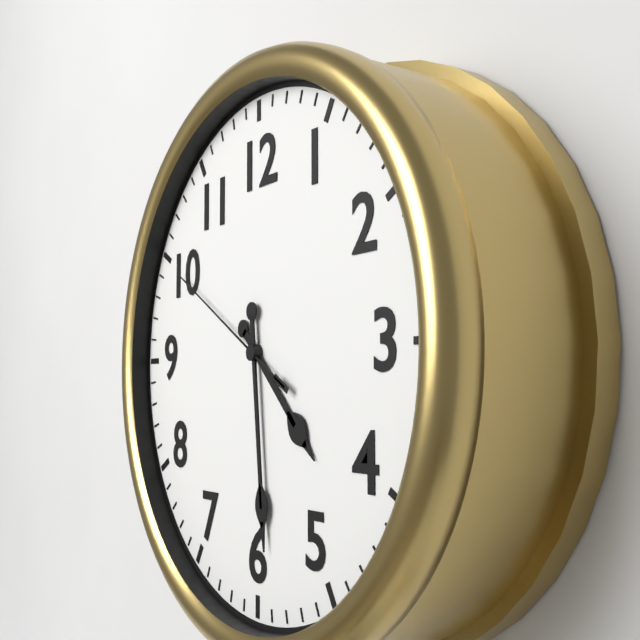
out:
4 h 29 min 50 s
